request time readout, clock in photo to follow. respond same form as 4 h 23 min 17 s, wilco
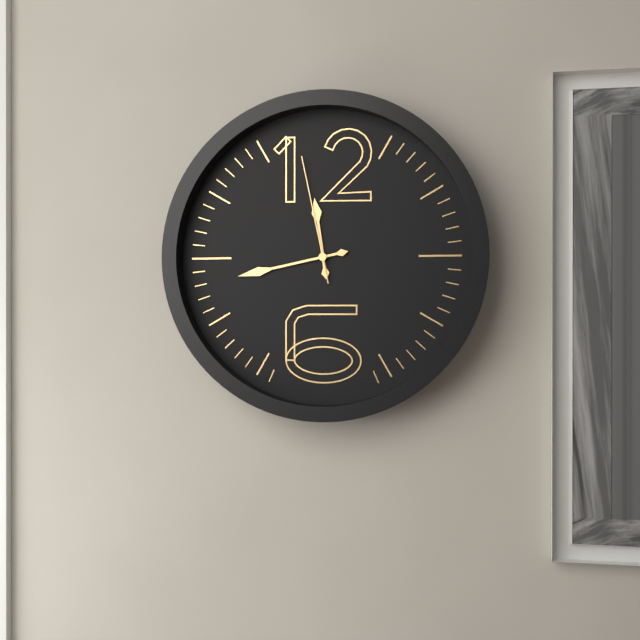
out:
11 h 43 min 58 s
